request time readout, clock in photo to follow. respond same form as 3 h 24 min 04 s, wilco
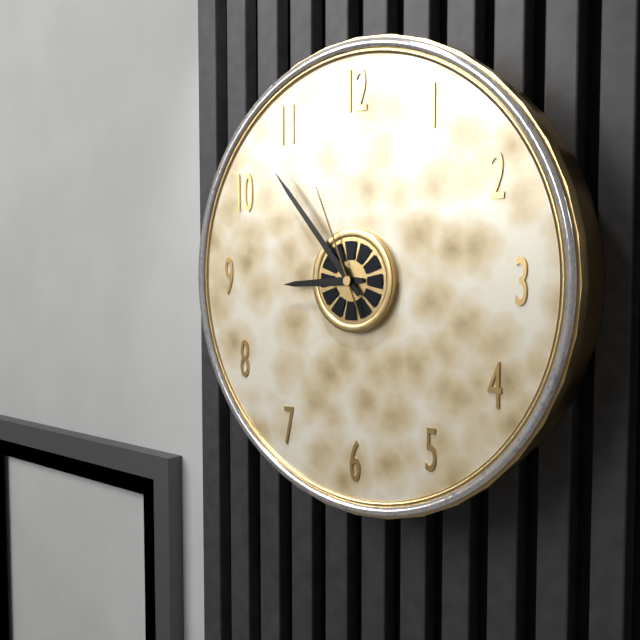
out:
8 h 53 min 56 s
